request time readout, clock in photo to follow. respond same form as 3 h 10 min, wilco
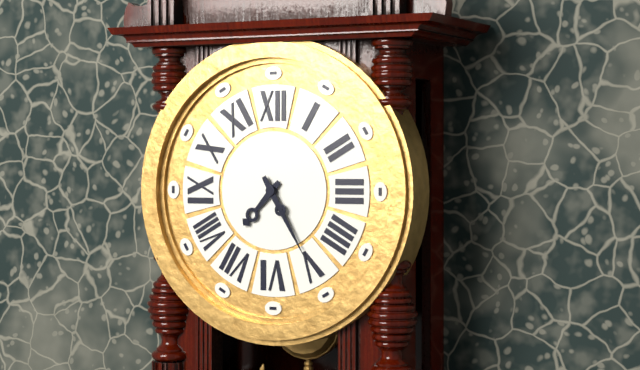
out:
7 h 25 min
